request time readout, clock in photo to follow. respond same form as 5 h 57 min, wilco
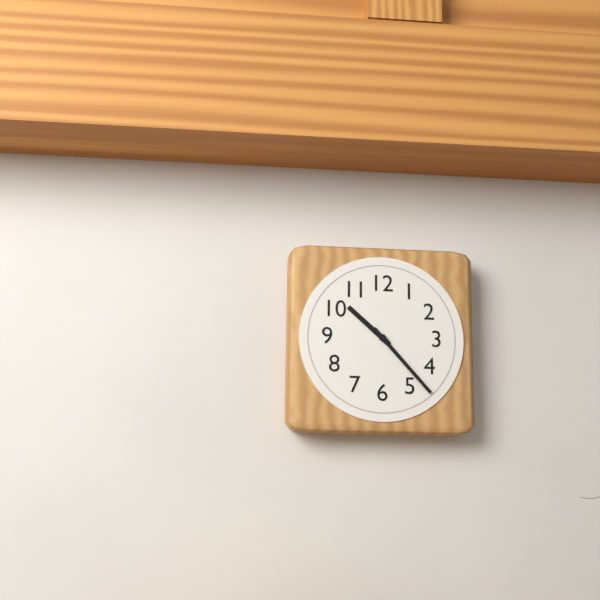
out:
10 h 23 min
